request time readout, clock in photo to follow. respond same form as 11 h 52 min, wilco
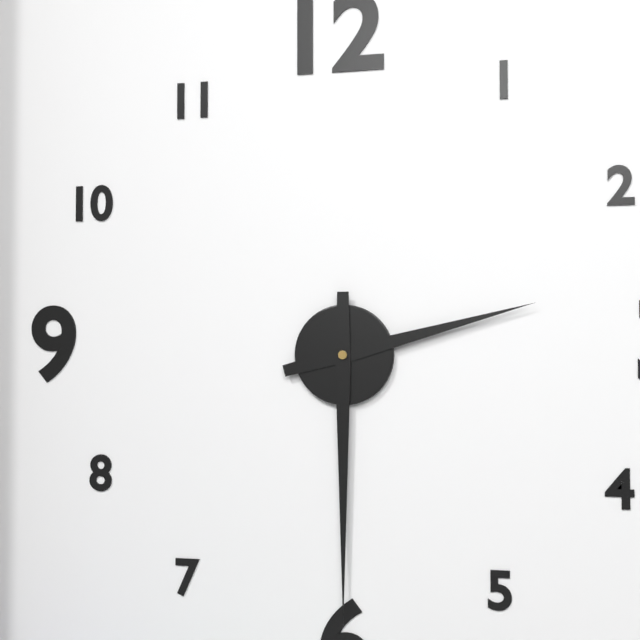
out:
2 h 30 min
